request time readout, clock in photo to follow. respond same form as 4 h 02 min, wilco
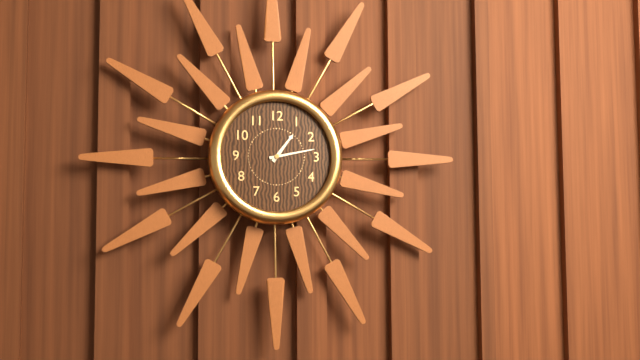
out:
1 h 13 min
